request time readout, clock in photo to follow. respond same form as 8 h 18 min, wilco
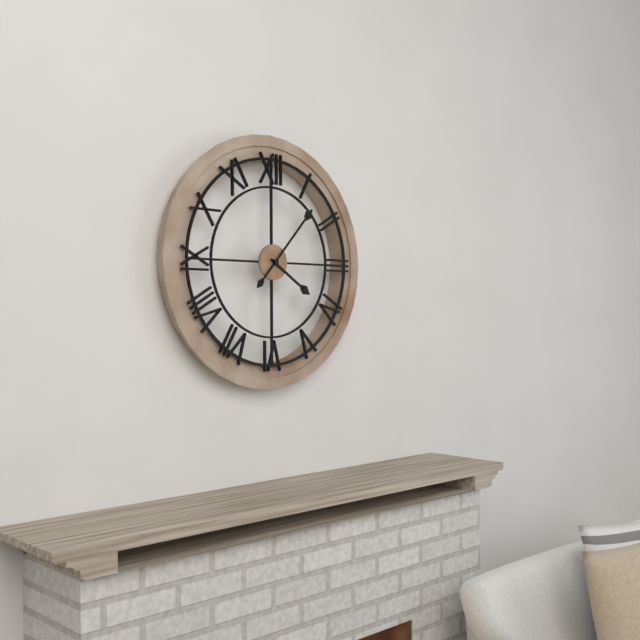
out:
4 h 07 min
